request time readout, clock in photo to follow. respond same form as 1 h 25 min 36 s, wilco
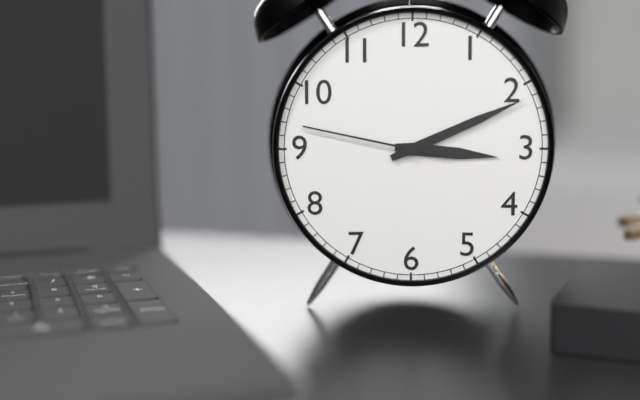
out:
3 h 11 min 47 s
